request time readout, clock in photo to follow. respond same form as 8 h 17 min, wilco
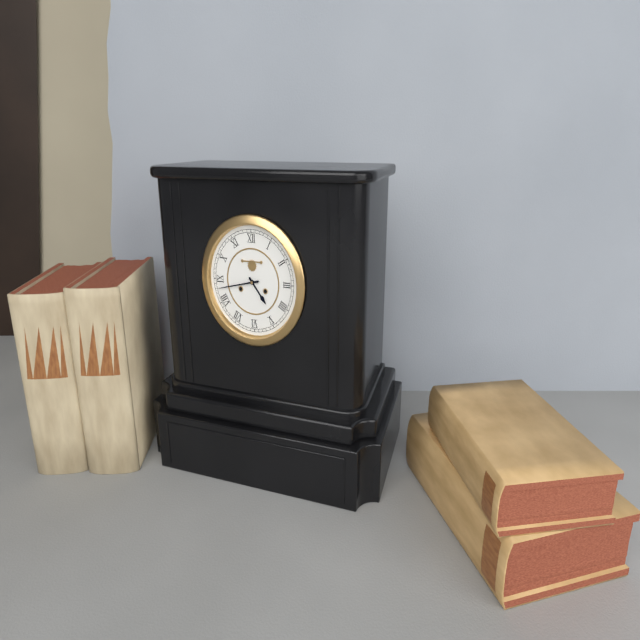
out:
4 h 43 min
